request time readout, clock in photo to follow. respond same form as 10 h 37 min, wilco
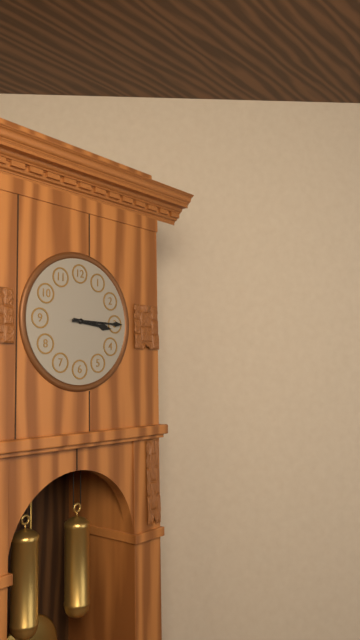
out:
3 h 15 min
